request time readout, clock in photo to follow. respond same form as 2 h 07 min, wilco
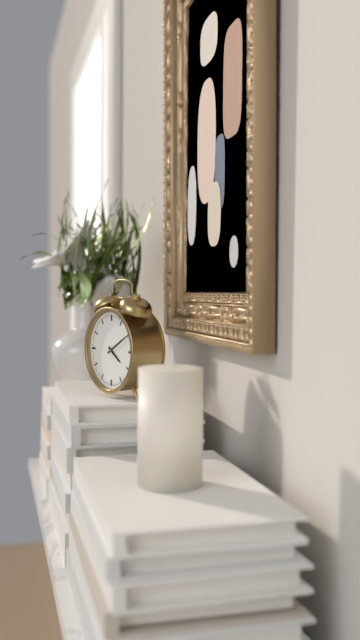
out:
4 h 10 min
